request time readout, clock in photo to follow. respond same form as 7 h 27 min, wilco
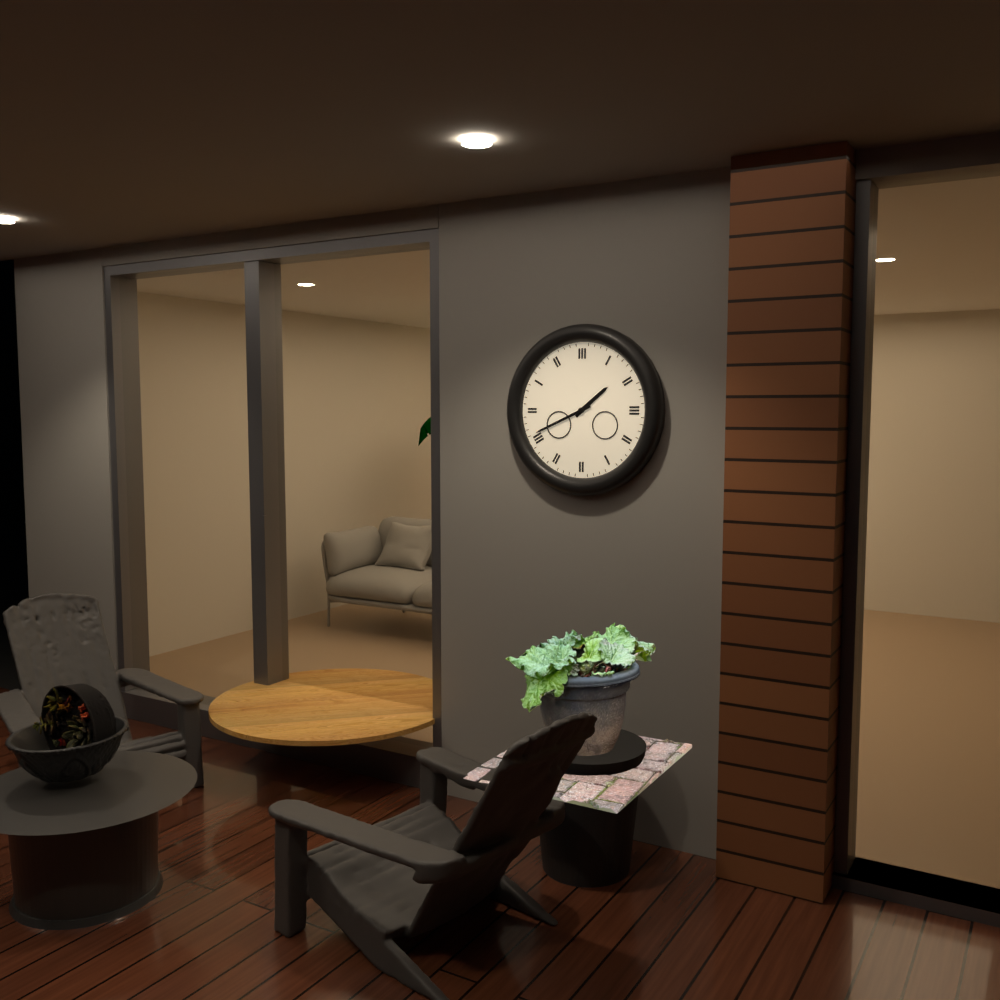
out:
1 h 41 min
